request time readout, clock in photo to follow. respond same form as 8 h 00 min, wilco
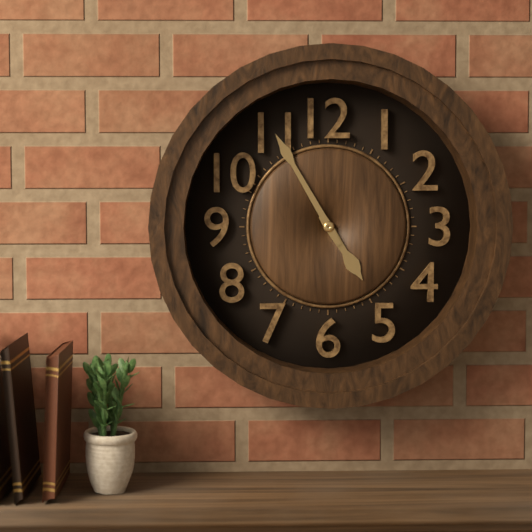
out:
4 h 55 min
